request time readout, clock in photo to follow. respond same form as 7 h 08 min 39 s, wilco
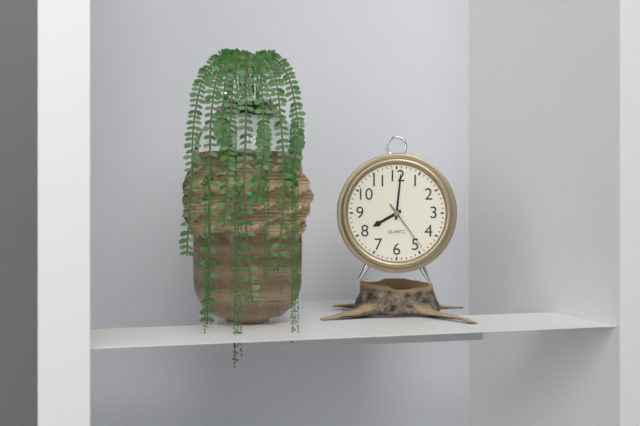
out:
8 h 01 min 24 s
